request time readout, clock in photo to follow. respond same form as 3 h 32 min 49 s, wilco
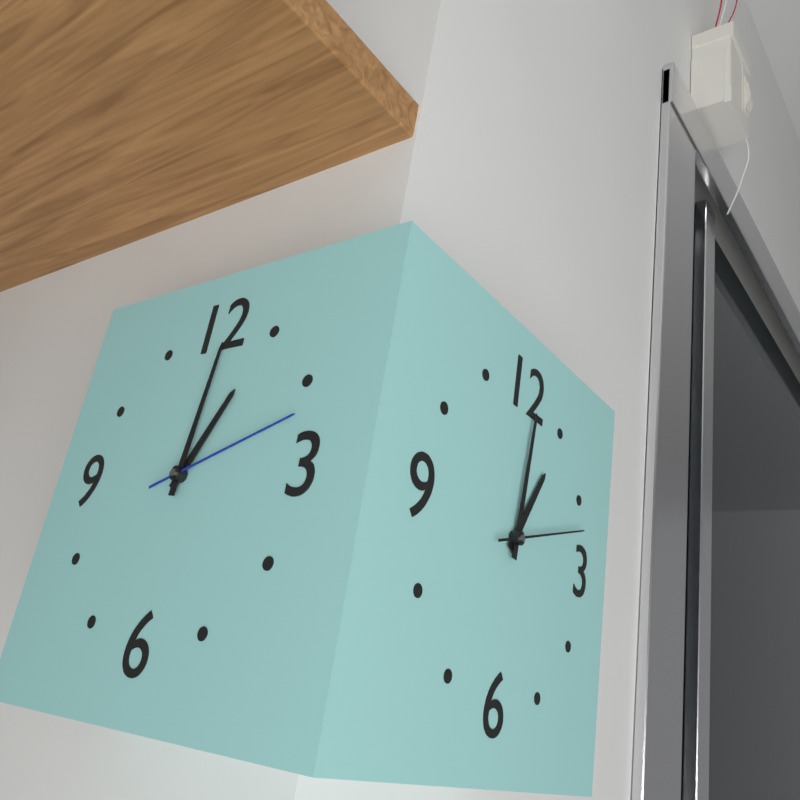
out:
1 h 01 min 12 s
